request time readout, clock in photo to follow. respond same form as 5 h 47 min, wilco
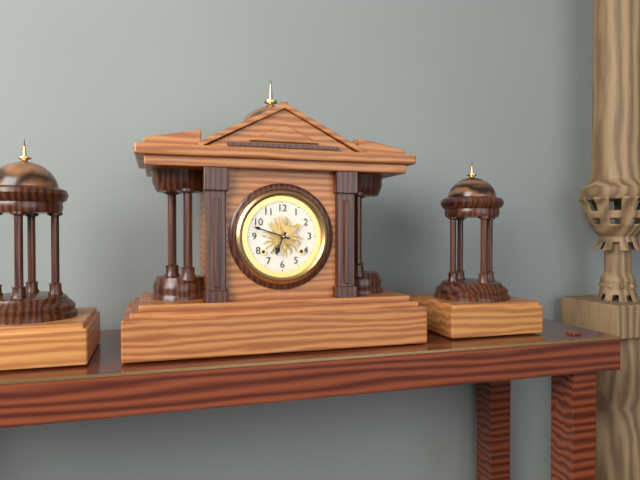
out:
6 h 48 min
